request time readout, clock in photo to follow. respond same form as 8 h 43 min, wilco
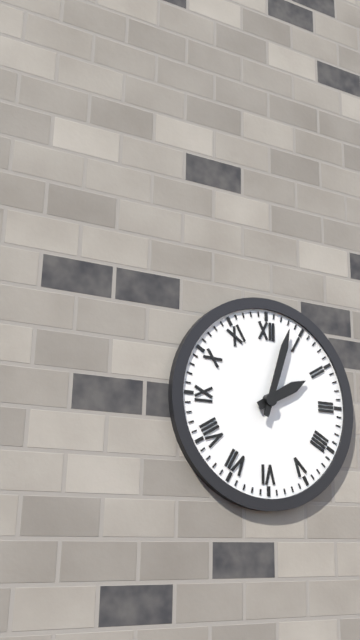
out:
2 h 03 min
